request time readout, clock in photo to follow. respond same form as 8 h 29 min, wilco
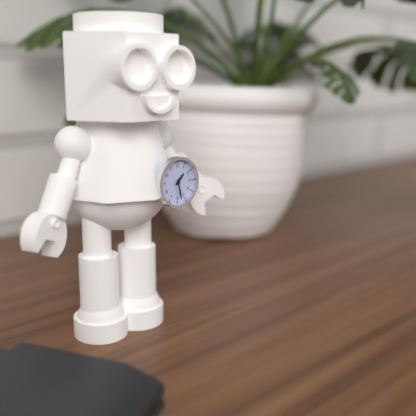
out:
1 h 28 min
